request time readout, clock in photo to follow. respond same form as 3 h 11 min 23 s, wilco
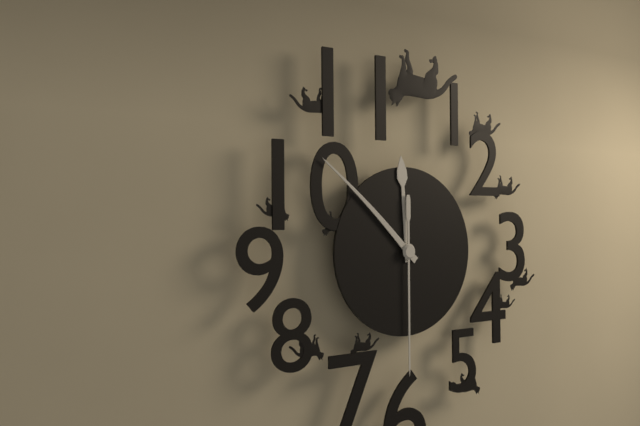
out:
11 h 52 min 30 s
